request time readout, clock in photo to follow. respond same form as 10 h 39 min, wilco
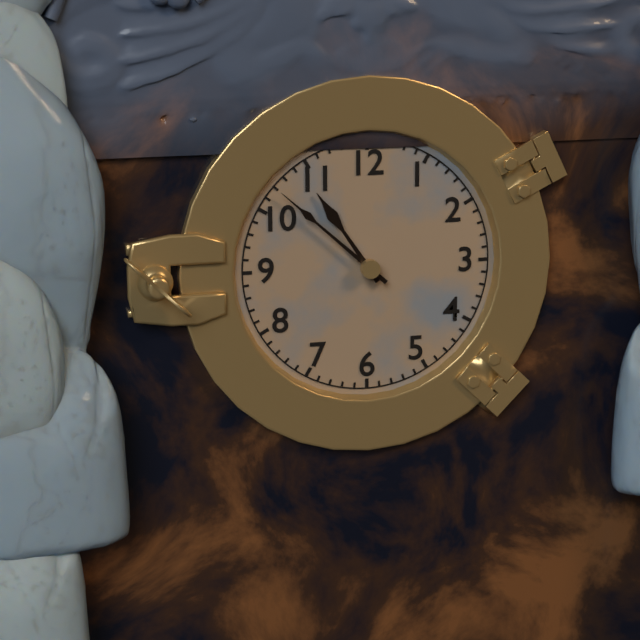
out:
10 h 52 min
